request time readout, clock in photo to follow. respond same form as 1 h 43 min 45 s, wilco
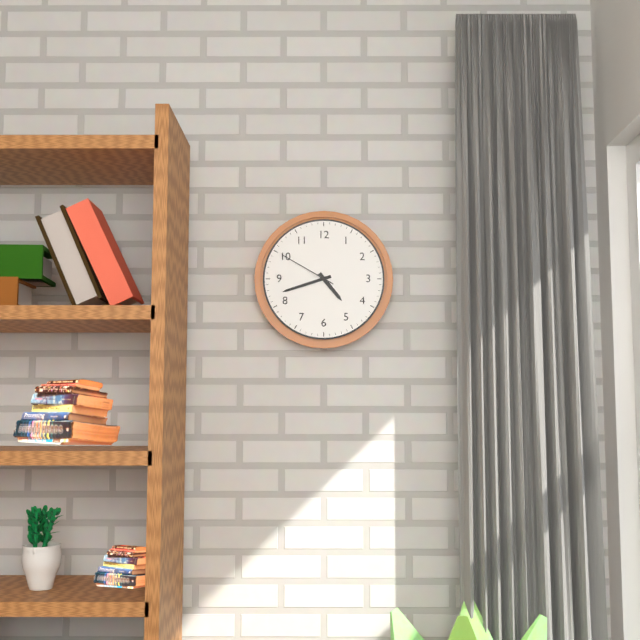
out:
4 h 42 min 50 s
